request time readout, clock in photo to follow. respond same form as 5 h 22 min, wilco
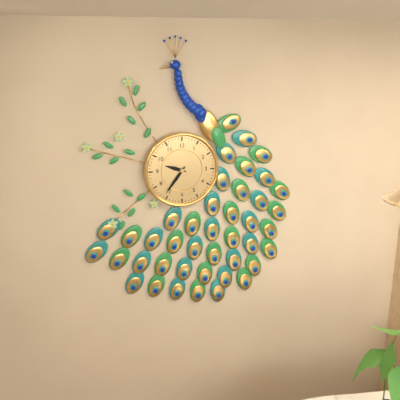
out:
9 h 36 min
